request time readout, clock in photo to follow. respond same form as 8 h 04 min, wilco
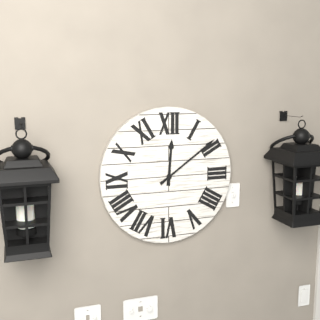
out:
12 h 09 min
